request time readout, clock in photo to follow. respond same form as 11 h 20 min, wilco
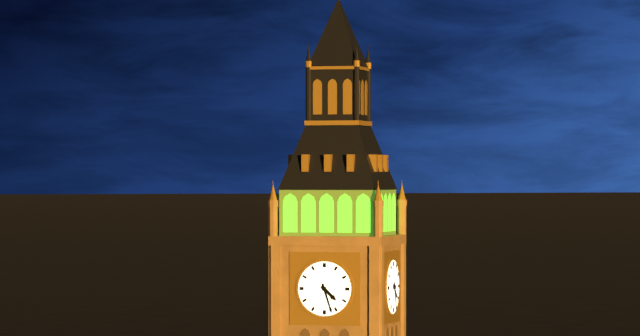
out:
4 h 27 min
